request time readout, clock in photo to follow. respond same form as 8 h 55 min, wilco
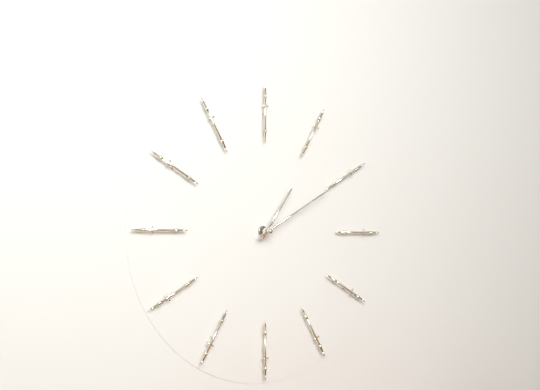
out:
1 h 10 min
